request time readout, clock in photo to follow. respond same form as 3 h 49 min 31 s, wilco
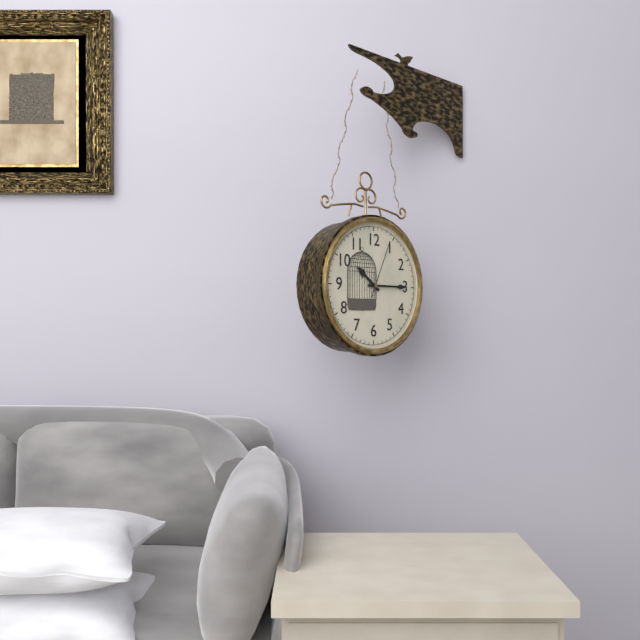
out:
10 h 15 min 04 s
